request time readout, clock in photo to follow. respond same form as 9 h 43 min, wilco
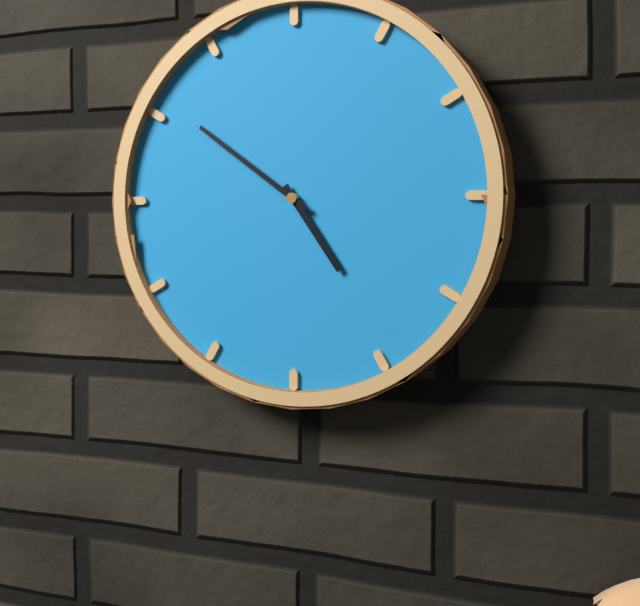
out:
4 h 51 min
